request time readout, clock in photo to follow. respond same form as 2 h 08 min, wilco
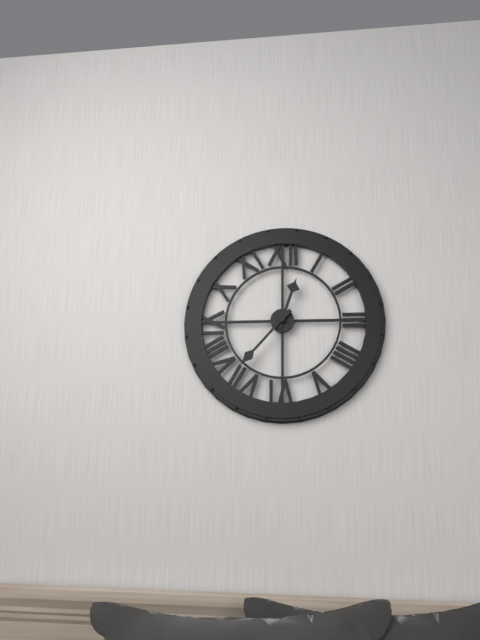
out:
12 h 37 min
